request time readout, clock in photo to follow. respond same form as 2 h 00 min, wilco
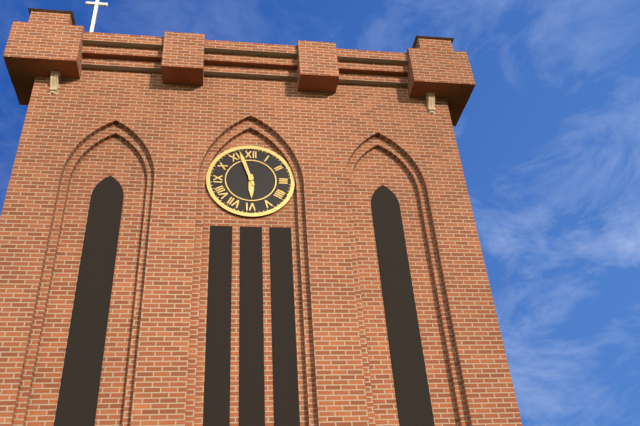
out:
5 h 57 min
